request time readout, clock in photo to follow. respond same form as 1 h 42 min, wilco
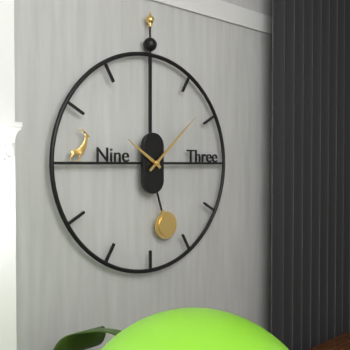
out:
10 h 08 min
